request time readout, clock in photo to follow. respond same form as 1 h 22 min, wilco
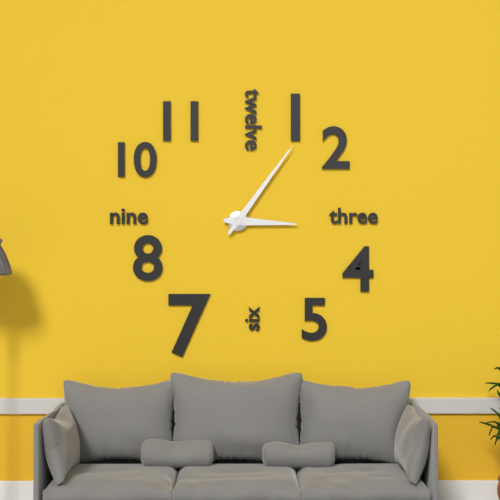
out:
3 h 06 min
